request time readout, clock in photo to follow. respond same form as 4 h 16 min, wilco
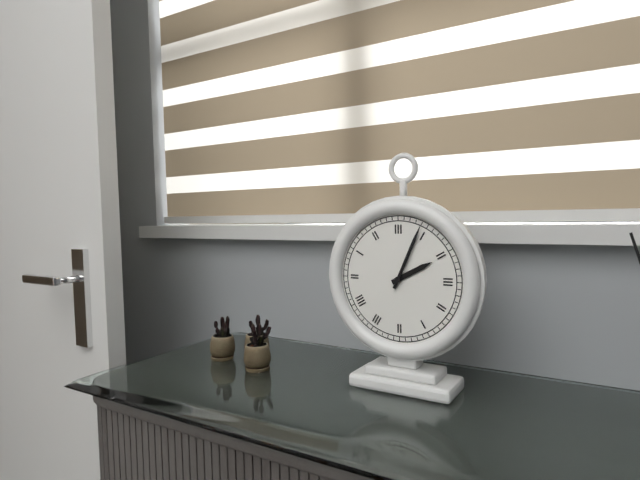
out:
2 h 04 min
